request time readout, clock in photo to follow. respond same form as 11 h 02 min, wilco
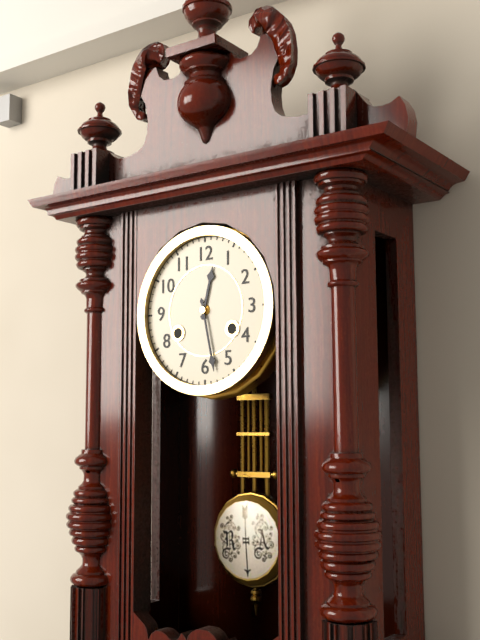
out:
12 h 28 min
